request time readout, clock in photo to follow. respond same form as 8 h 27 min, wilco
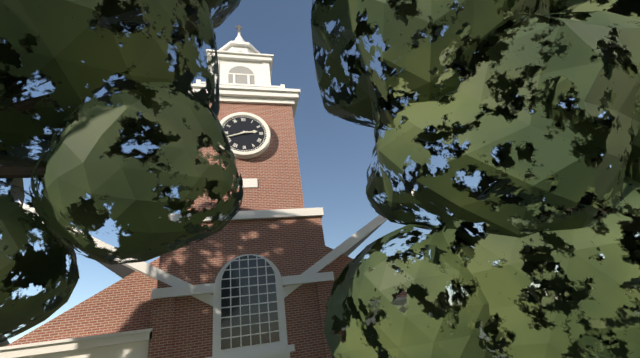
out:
2 h 42 min
